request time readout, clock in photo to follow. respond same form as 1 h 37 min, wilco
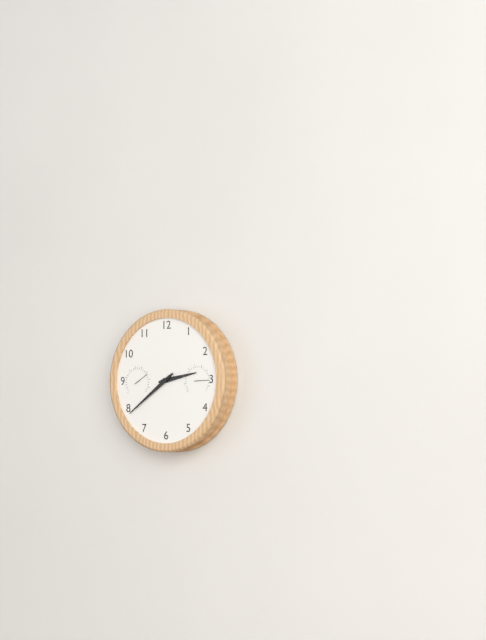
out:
2 h 39 min
